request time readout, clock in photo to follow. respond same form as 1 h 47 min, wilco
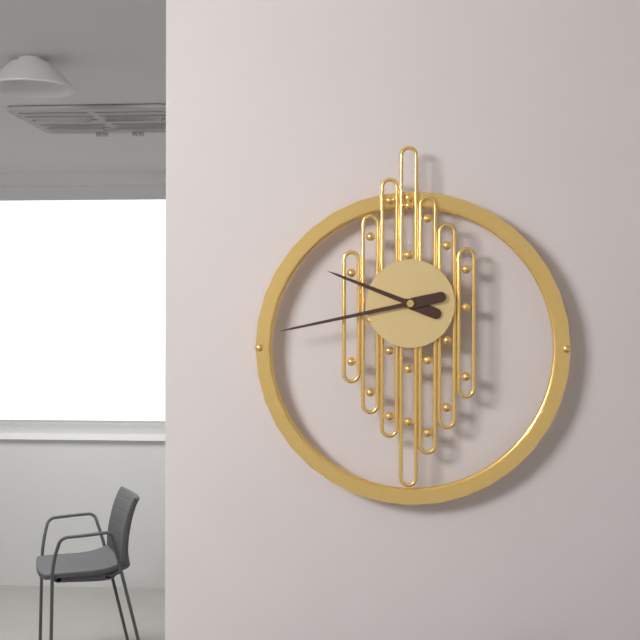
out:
9 h 43 min
